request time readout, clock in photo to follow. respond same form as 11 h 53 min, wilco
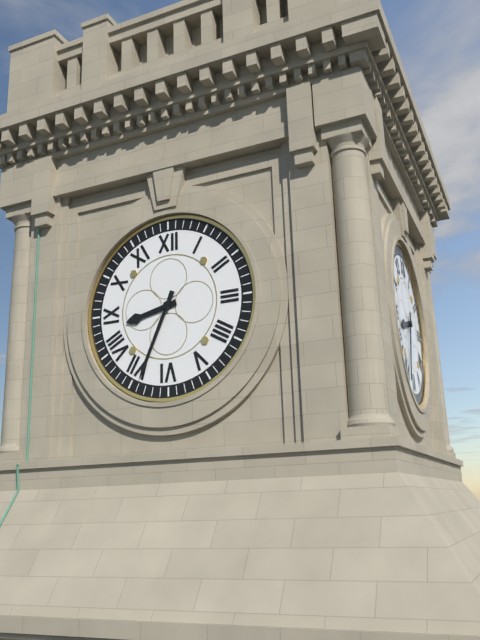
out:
8 h 34 min
